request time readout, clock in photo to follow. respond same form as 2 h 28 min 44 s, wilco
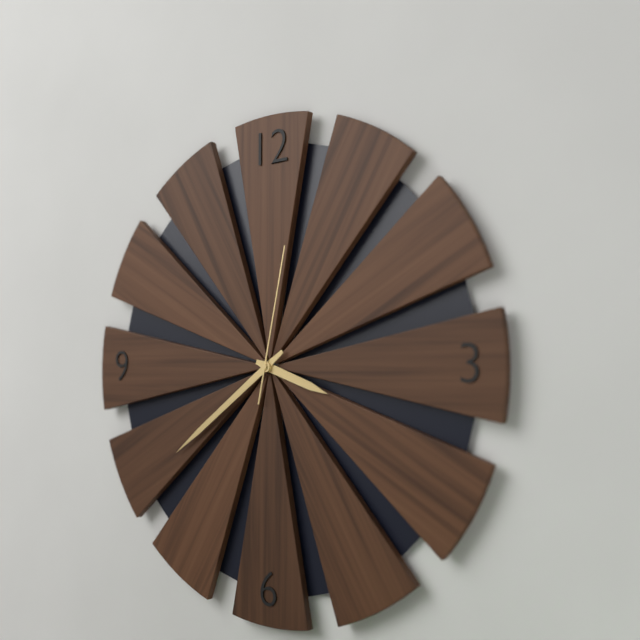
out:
3 h 39 min 02 s
